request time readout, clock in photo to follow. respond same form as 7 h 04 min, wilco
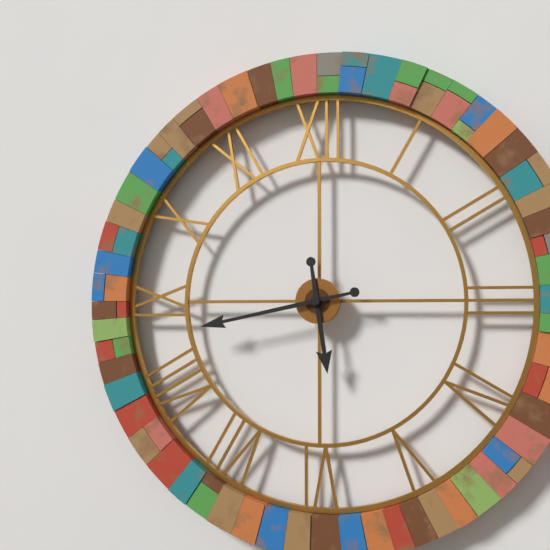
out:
5 h 43 min
